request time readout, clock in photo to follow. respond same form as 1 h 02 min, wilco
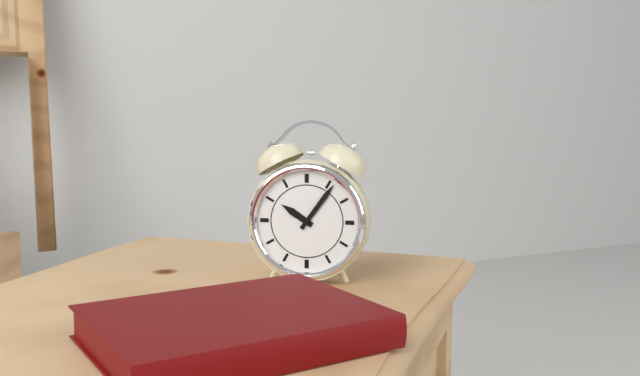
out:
10 h 06 min
